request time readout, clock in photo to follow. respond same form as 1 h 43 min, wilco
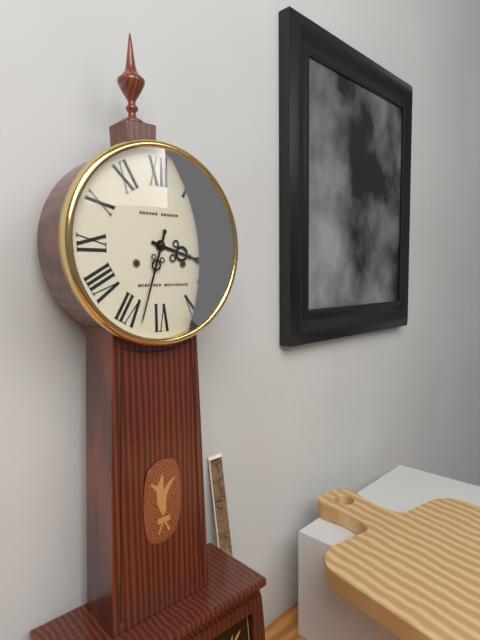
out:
3 h 33 min
